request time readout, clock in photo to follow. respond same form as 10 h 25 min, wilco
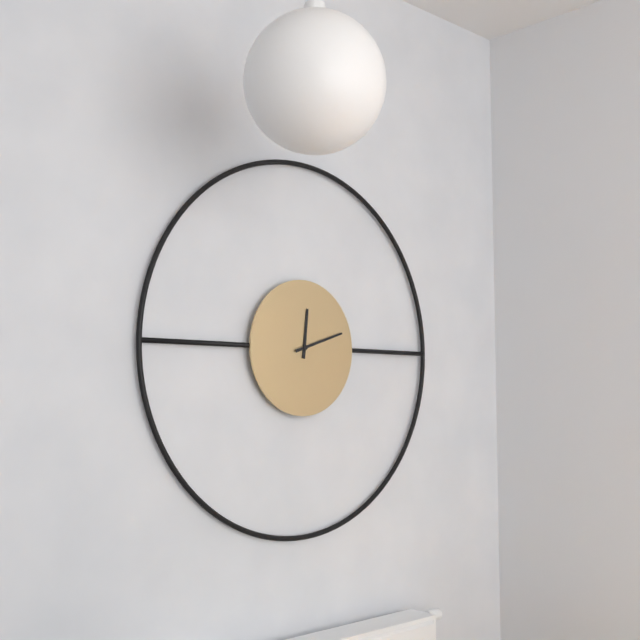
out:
12 h 12 min
